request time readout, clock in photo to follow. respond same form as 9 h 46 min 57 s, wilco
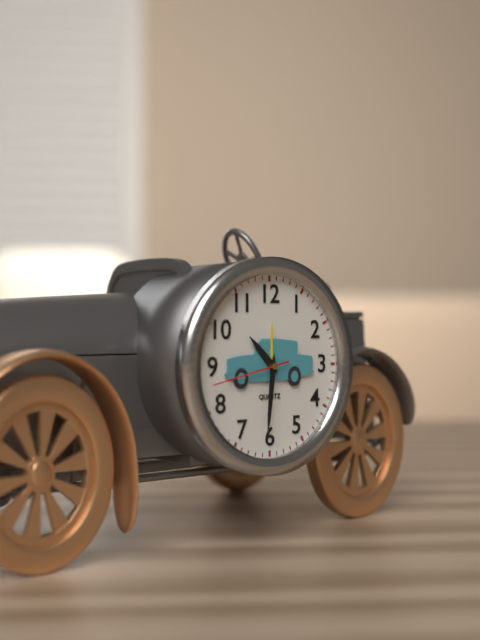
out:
10 h 31 min 43 s
